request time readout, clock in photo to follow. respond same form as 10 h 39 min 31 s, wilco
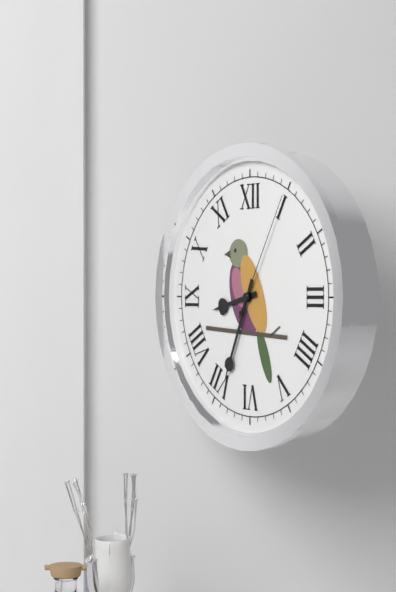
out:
8 h 34 min 05 s
